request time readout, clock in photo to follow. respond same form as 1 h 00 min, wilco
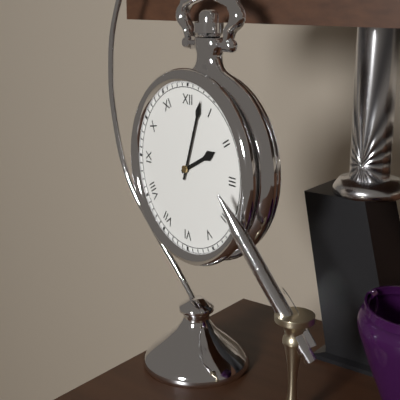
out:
2 h 03 min
